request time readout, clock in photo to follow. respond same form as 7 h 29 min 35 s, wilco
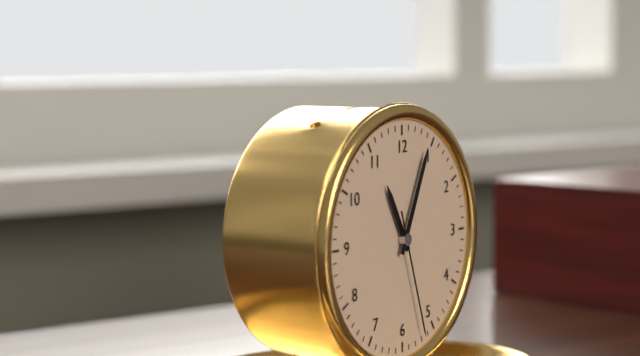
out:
11 h 04 min 27 s
